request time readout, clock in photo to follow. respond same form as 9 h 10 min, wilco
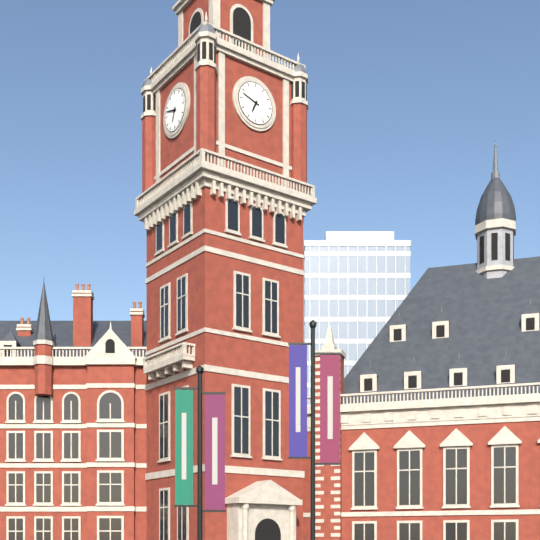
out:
6 h 48 min
